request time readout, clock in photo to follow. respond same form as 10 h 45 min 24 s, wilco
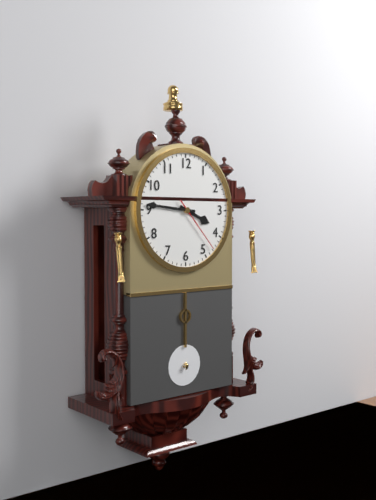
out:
3 h 46 min 23 s
